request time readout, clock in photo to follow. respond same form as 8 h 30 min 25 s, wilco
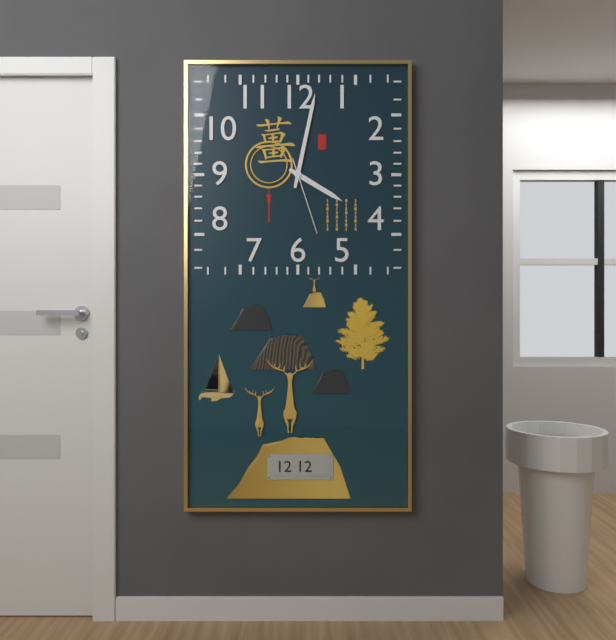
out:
4 h 02 min 27 s
